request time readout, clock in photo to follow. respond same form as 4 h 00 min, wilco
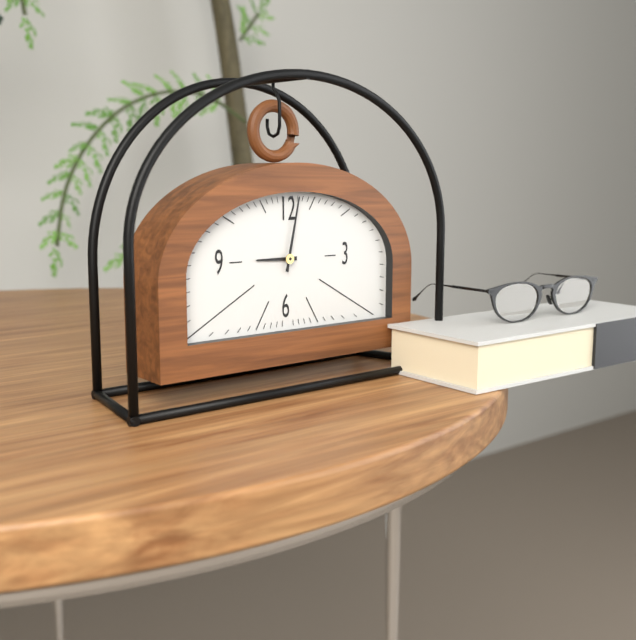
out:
9 h 02 min
